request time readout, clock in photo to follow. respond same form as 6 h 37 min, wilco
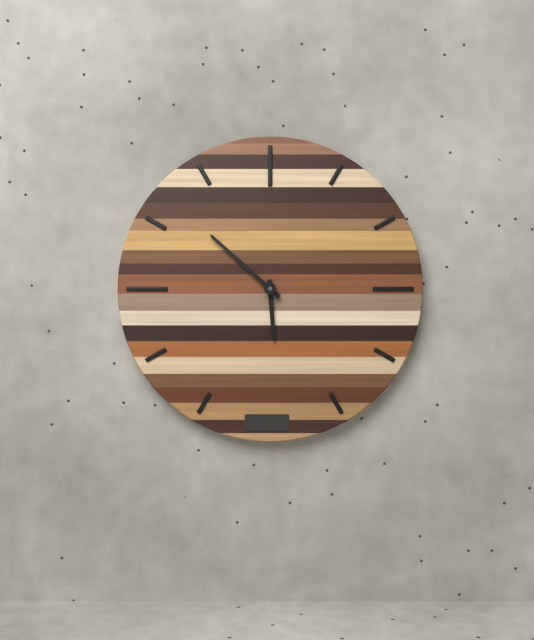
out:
5 h 52 min
